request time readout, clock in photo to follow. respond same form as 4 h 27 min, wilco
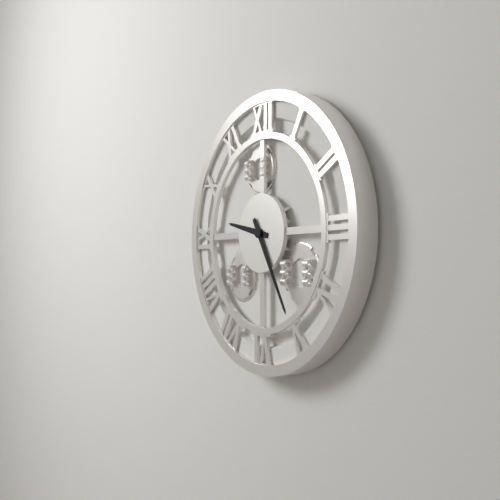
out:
9 h 25 min
